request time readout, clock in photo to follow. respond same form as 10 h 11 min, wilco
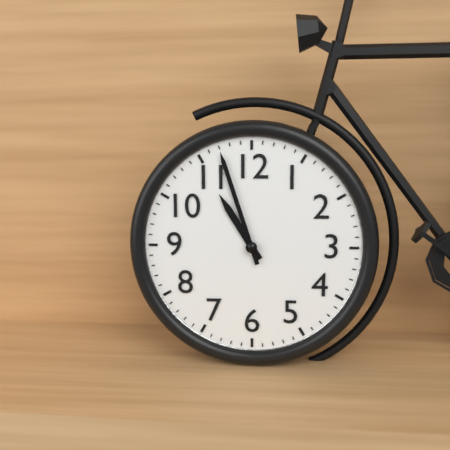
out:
10 h 57 min
